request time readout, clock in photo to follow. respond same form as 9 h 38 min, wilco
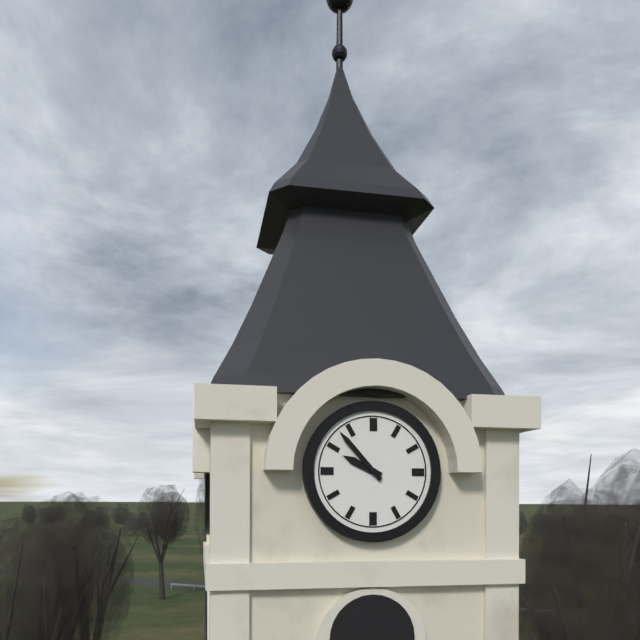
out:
9 h 53 min
